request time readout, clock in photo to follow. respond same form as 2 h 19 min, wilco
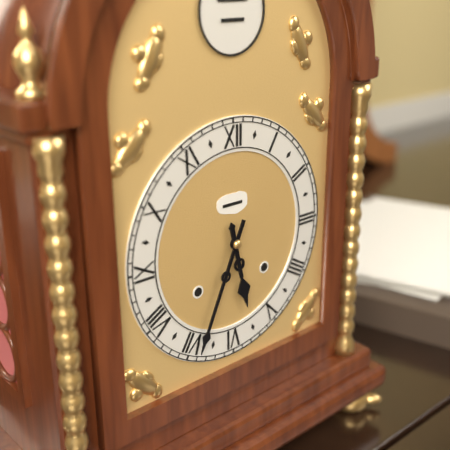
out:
5 h 34 min
